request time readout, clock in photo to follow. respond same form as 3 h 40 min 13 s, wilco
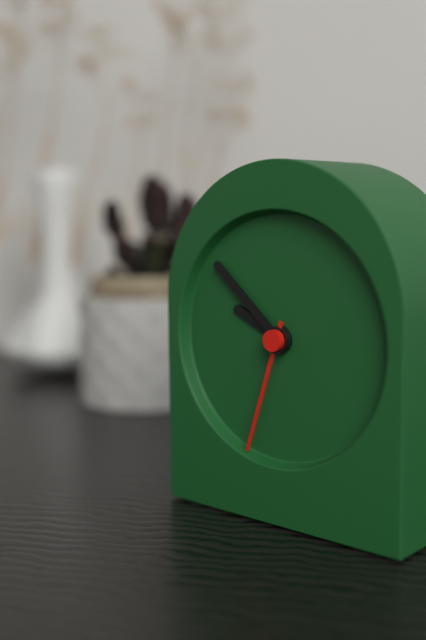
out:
9 h 52 min 33 s
